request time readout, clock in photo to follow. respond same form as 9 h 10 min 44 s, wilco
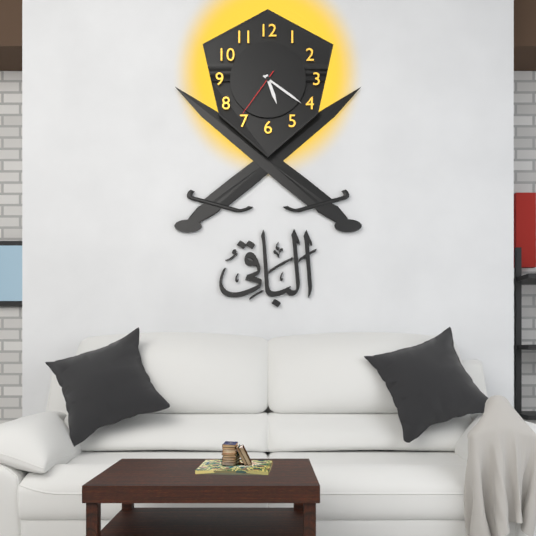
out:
5 h 21 min 36 s
